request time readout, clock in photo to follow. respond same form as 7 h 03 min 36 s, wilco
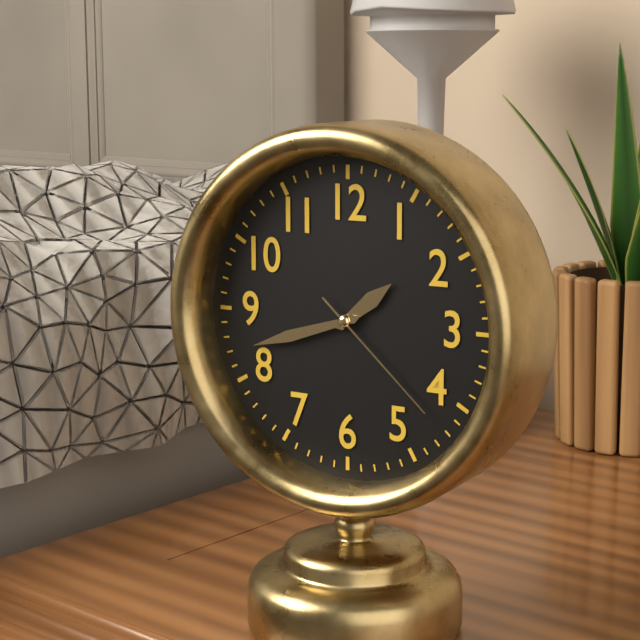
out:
1 h 42 min 22 s
